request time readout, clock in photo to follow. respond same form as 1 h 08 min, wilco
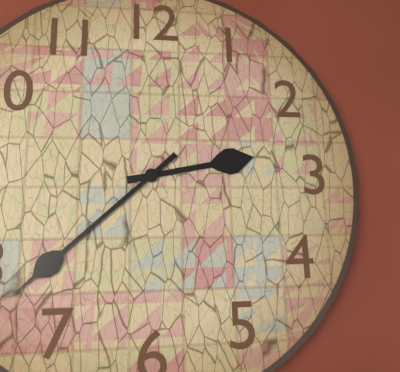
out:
2 h 38 min
